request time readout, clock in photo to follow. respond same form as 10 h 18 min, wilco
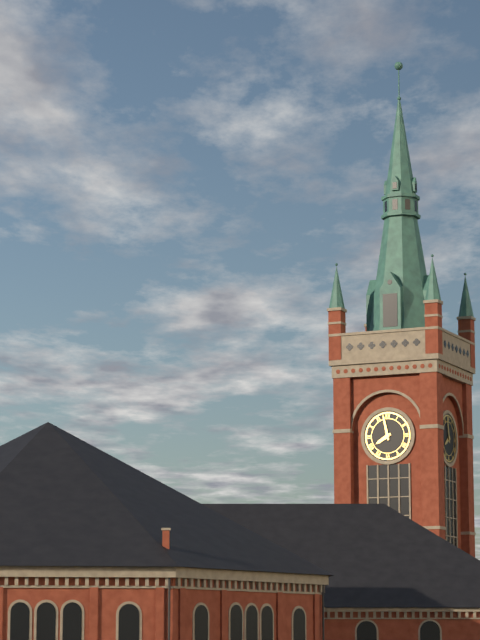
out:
7 h 58 min
